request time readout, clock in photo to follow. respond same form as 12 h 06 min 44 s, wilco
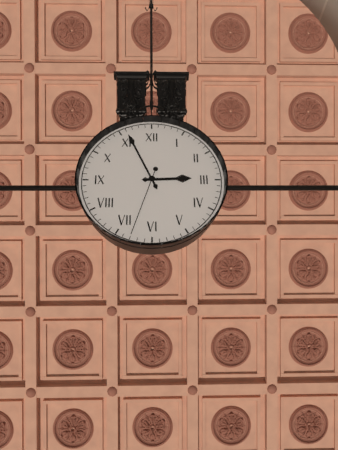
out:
2 h 56 min 33 s
